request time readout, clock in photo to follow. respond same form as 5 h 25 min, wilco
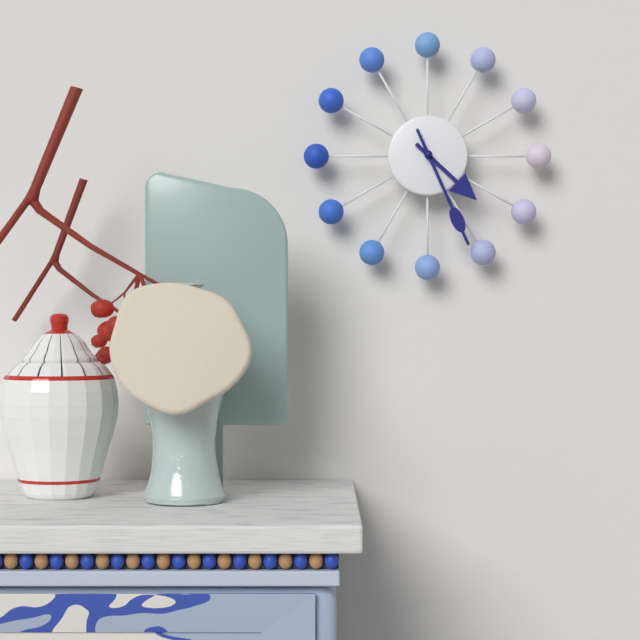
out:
4 h 26 min
